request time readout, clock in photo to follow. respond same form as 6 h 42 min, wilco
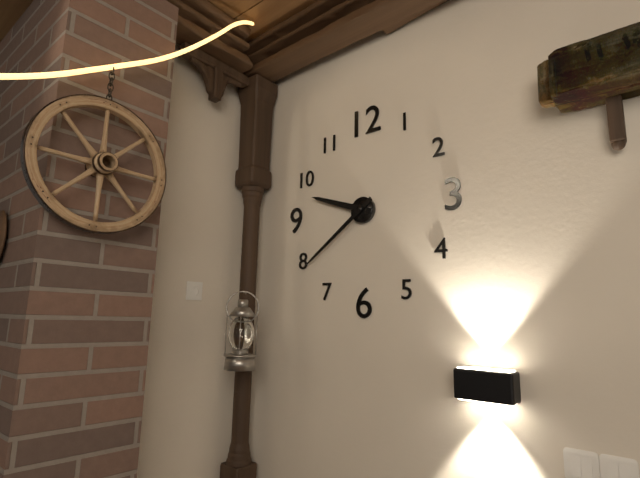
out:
9 h 39 min
